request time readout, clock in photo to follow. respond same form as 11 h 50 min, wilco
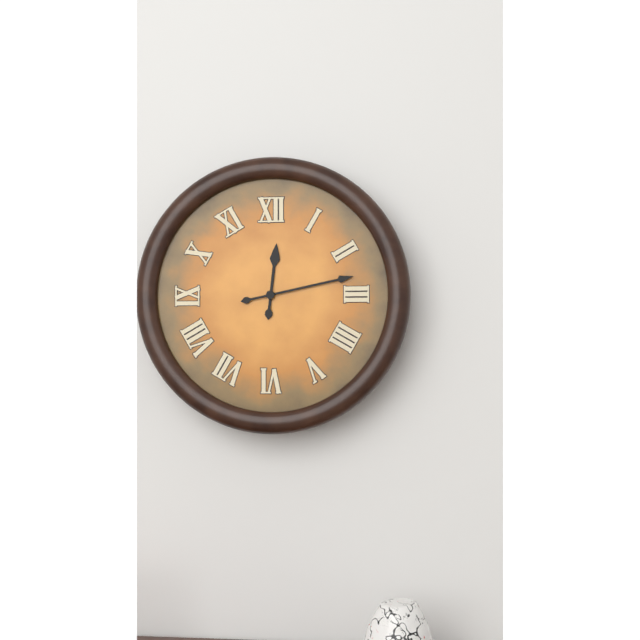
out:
12 h 13 min
